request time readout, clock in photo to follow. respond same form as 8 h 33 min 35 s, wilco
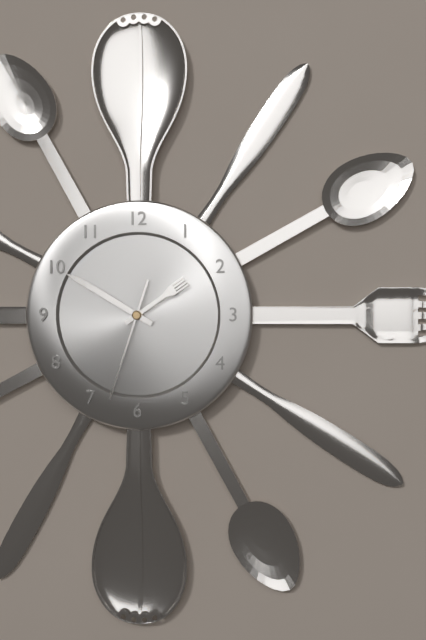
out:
1 h 50 min 33 s
